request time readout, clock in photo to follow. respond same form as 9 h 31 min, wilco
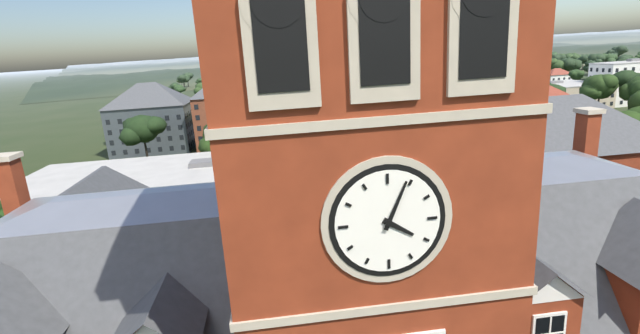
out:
4 h 04 min
